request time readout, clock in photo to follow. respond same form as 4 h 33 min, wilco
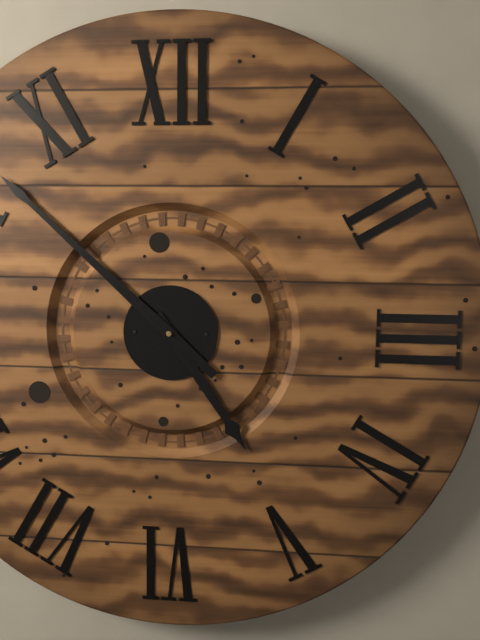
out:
4 h 52 min
